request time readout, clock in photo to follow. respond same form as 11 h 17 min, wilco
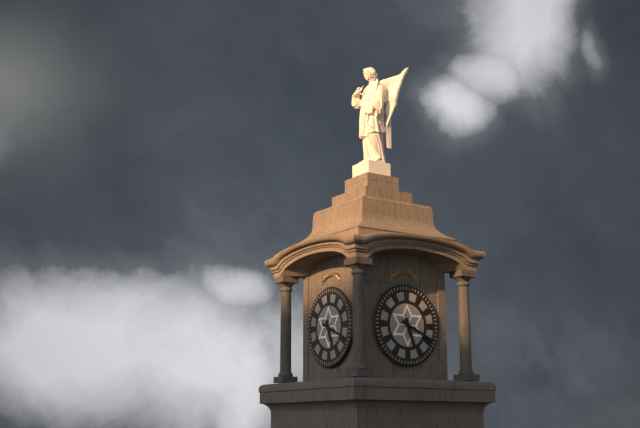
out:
5 h 19 min
